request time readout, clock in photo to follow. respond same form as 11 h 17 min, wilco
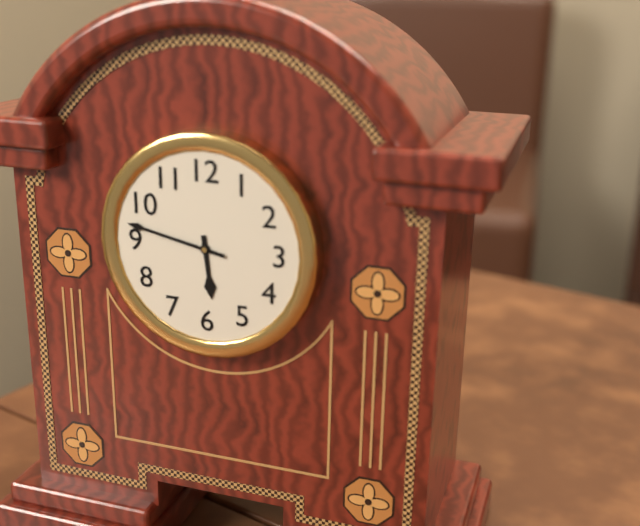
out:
5 h 47 min
